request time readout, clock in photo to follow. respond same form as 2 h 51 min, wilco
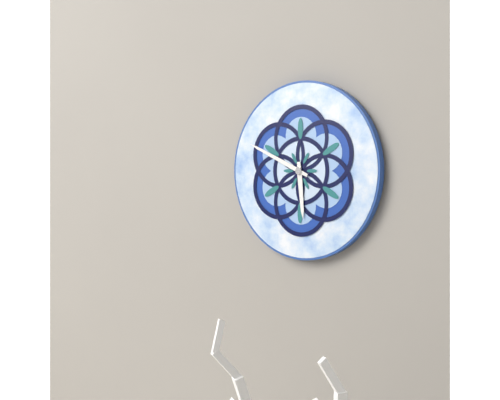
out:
5 h 49 min
